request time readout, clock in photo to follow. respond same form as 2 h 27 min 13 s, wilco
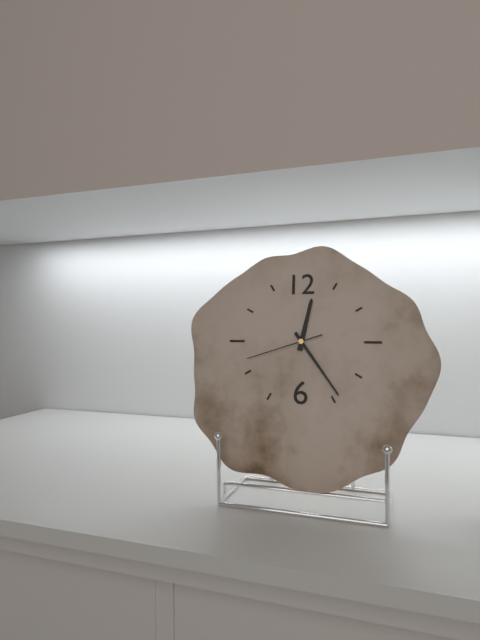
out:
12 h 24 min 42 s
